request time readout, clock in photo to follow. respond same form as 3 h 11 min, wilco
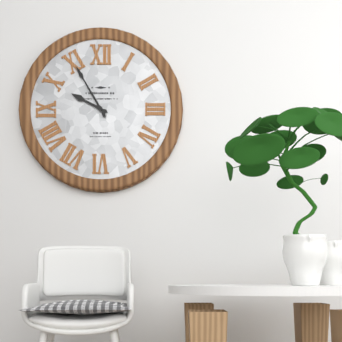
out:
9 h 55 min
